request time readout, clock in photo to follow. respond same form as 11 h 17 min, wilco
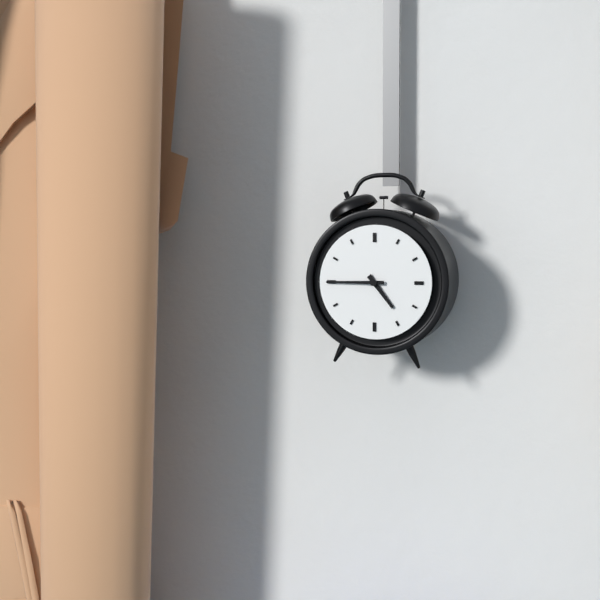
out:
4 h 45 min
